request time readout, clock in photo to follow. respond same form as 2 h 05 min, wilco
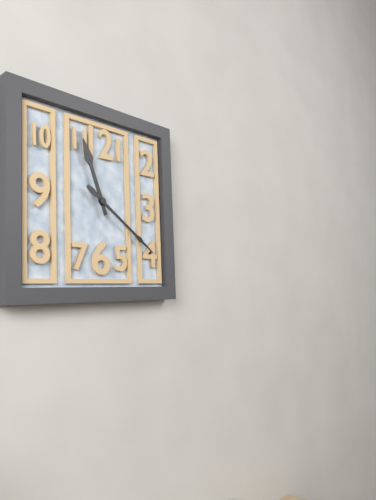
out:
11 h 21 min
